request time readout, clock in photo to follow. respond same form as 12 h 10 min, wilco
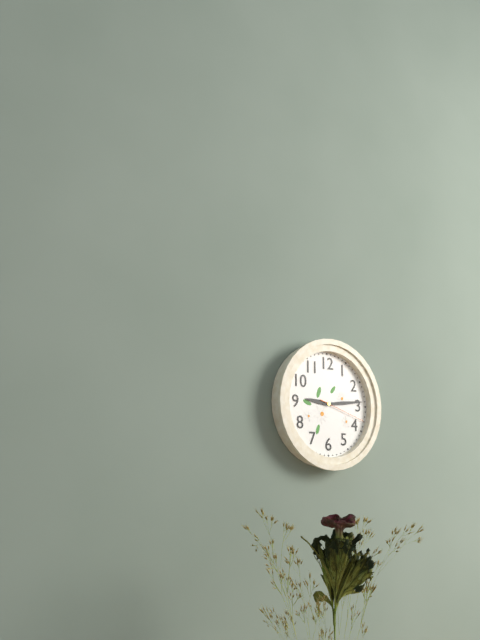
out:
9 h 14 min
